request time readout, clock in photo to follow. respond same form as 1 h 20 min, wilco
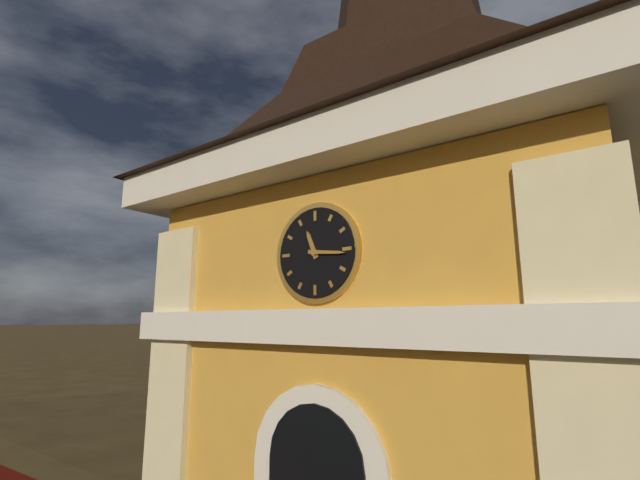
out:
11 h 16 min
